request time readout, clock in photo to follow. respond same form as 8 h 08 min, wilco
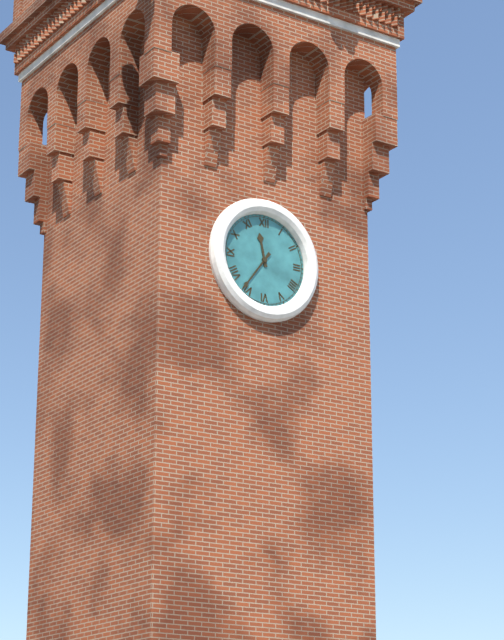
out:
11 h 36 min
